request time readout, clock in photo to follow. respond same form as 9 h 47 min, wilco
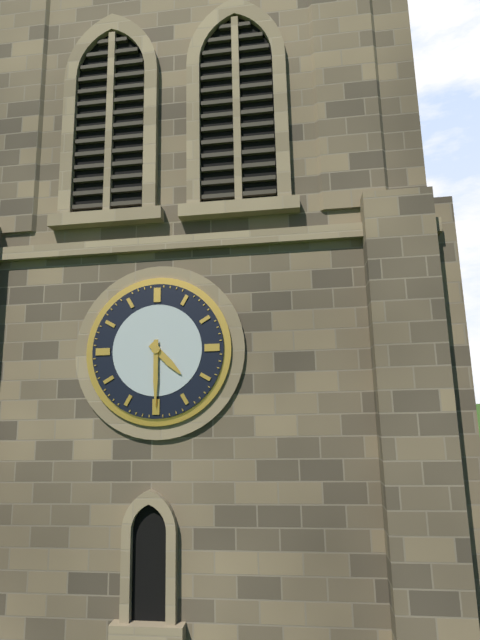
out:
4 h 30 min
